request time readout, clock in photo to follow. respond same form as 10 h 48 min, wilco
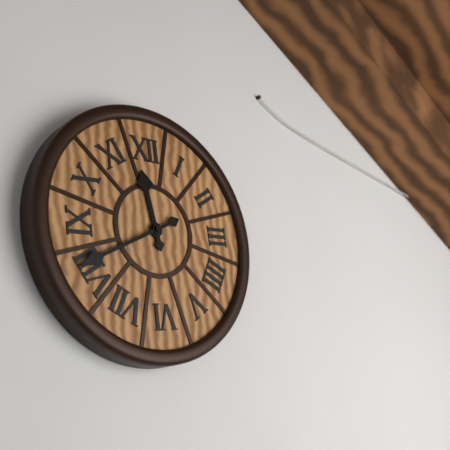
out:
11 h 41 min
